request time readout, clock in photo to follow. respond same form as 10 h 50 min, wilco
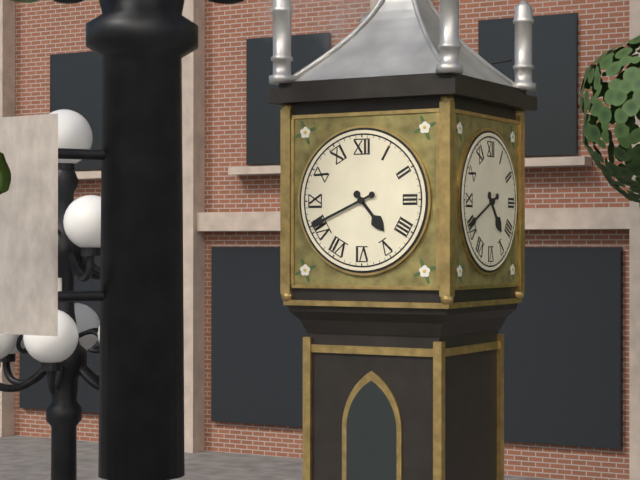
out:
4 h 41 min
